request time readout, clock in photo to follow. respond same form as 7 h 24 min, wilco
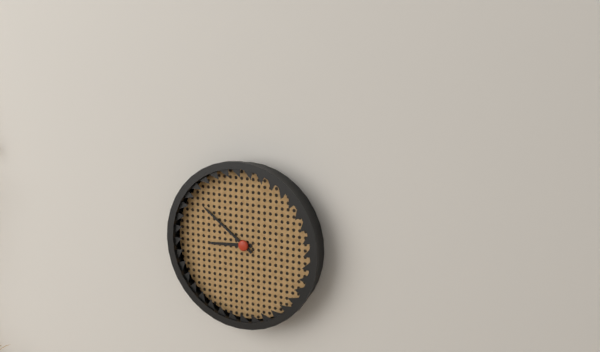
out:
8 h 51 min
